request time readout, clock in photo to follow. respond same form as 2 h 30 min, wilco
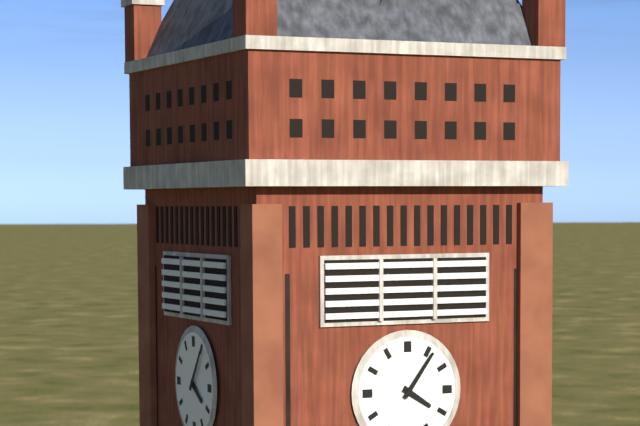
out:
4 h 06 min
